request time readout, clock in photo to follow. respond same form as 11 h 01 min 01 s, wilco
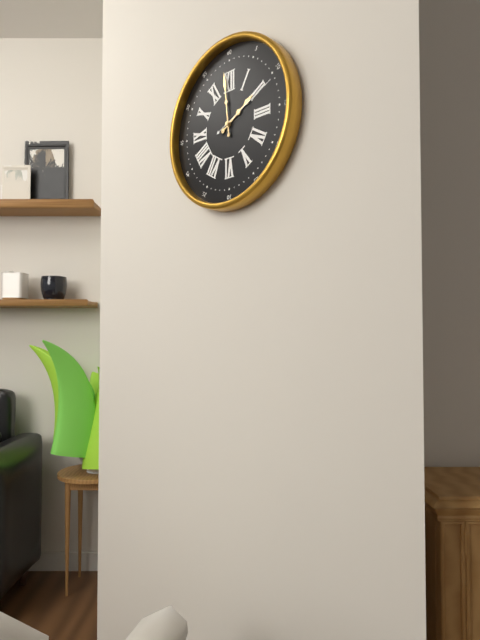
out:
1 h 59 min 11 s
